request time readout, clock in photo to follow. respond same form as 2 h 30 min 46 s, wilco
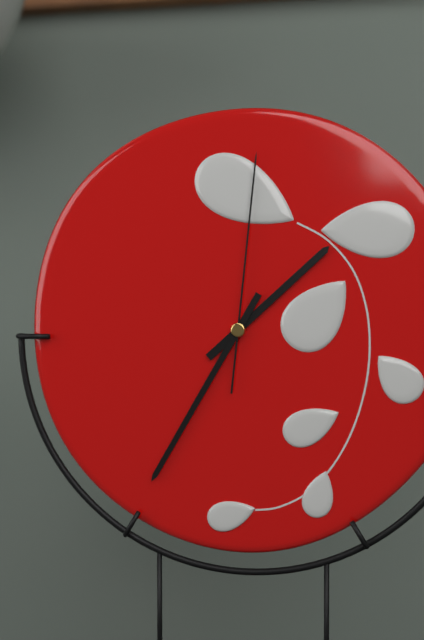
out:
1 h 35 min 01 s
